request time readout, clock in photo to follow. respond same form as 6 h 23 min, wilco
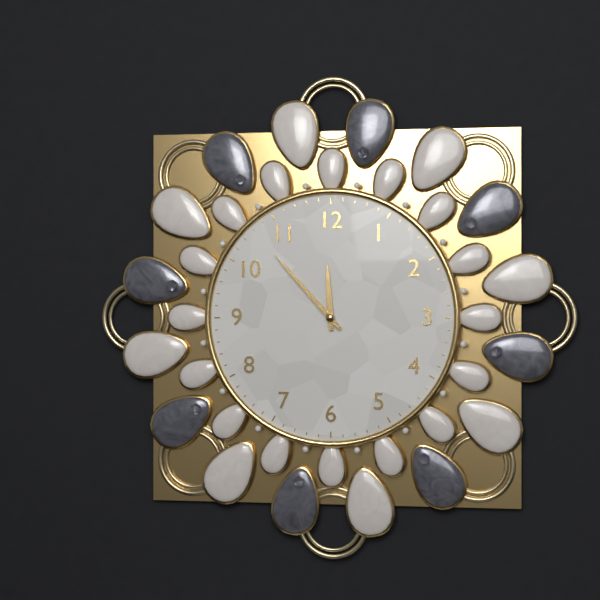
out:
11 h 53 min
